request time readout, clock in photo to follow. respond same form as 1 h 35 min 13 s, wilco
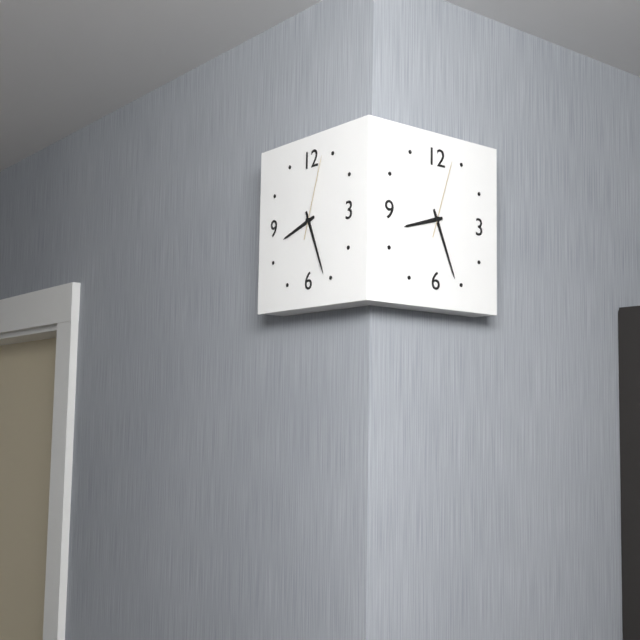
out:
8 h 26 min 03 s
